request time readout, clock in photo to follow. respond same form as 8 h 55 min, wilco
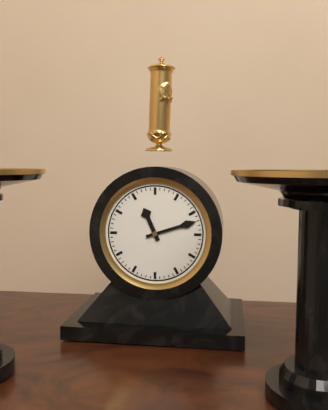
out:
11 h 12 min
